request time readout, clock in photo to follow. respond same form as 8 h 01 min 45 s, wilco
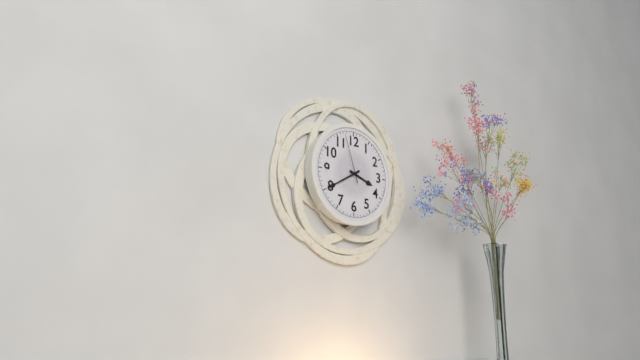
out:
3 h 40 min 57 s
